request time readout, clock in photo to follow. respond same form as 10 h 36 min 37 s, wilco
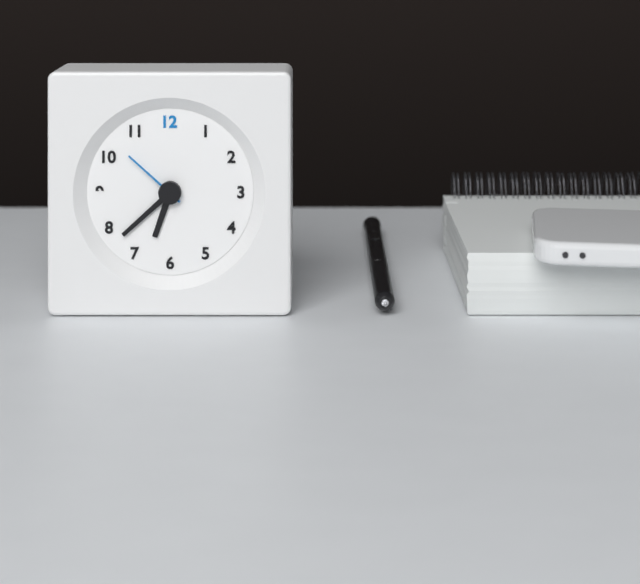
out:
6 h 38 min 52 s
